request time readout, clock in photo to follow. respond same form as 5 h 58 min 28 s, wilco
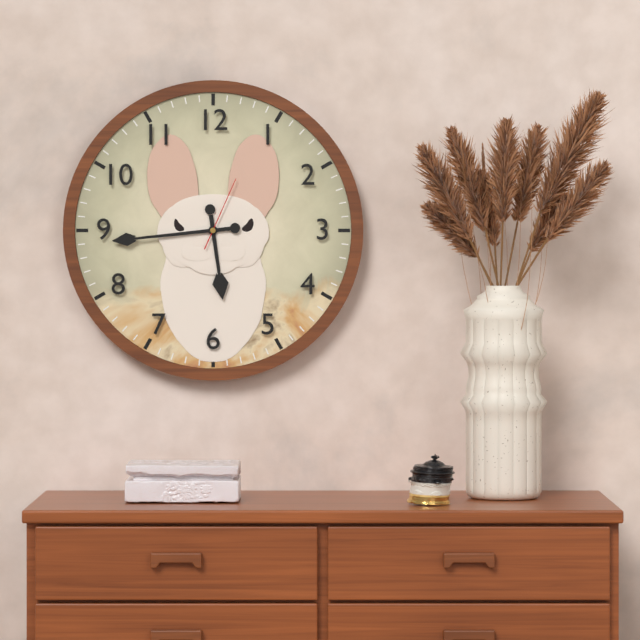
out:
5 h 44 min 04 s
